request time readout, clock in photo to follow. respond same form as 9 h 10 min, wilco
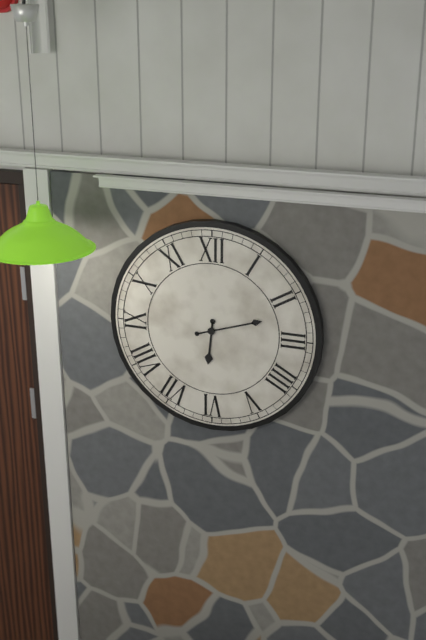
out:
6 h 12 min
